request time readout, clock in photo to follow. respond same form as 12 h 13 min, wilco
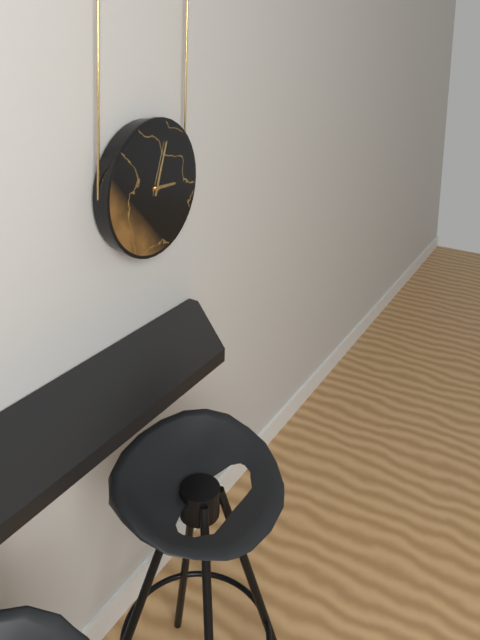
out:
3 h 03 min
